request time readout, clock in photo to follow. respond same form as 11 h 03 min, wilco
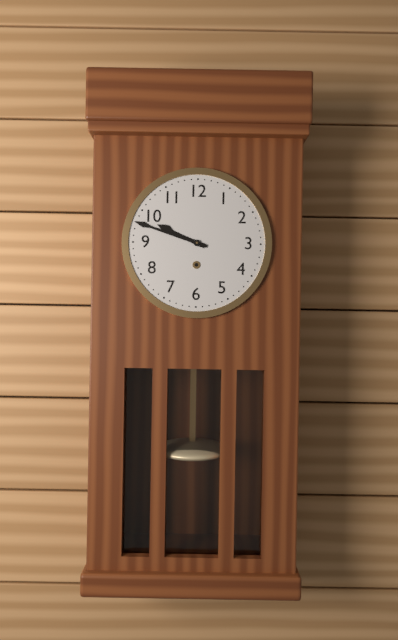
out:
9 h 48 min
